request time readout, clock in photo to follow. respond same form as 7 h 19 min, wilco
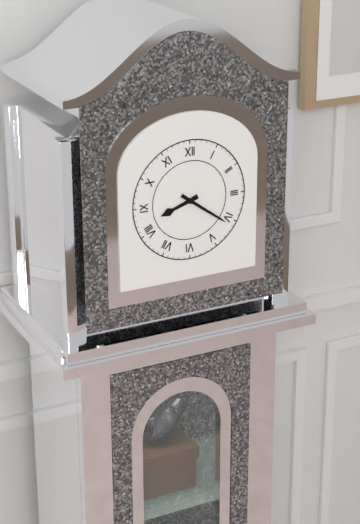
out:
8 h 21 min
